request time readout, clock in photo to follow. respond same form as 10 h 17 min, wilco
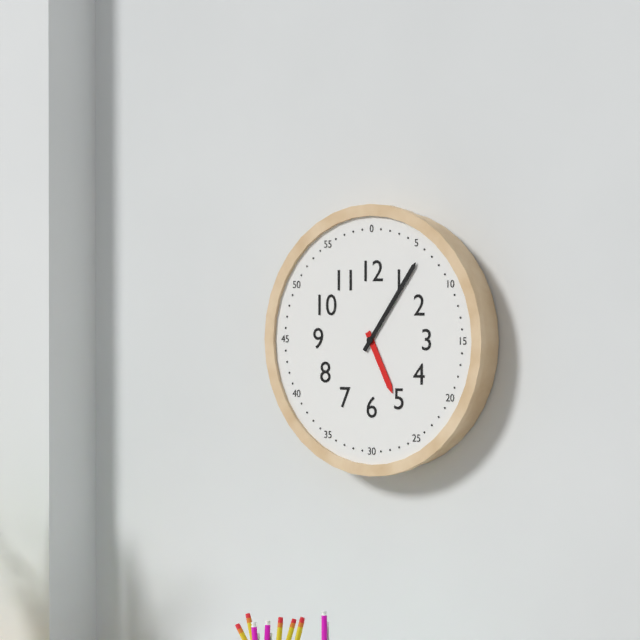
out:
5 h 06 min
